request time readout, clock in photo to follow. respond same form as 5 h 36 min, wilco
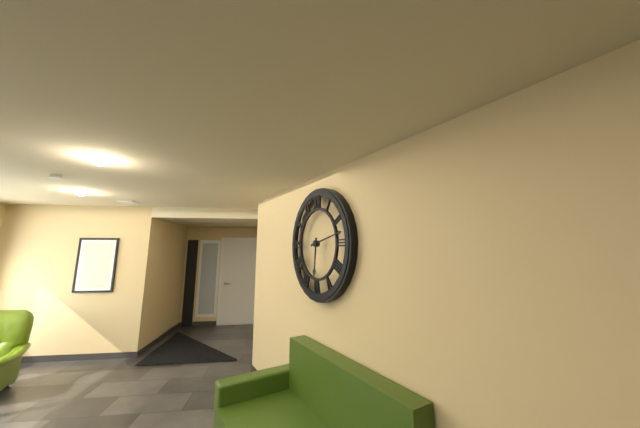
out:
6 h 13 min
